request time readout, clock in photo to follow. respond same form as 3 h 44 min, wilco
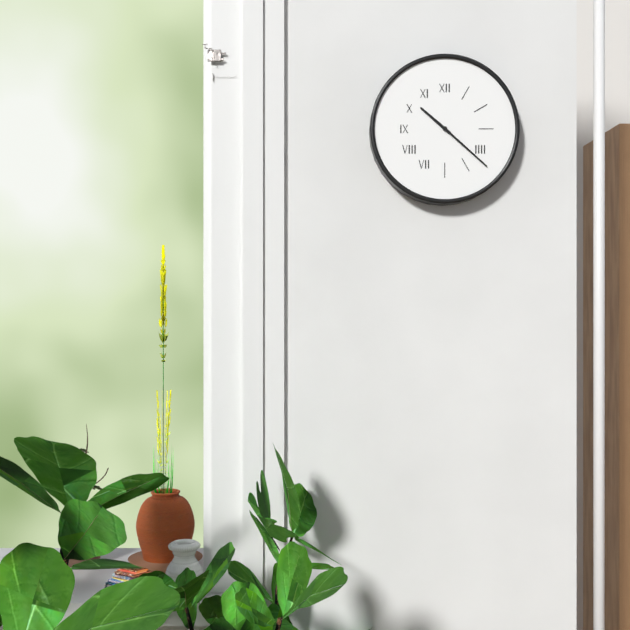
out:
10 h 22 min
